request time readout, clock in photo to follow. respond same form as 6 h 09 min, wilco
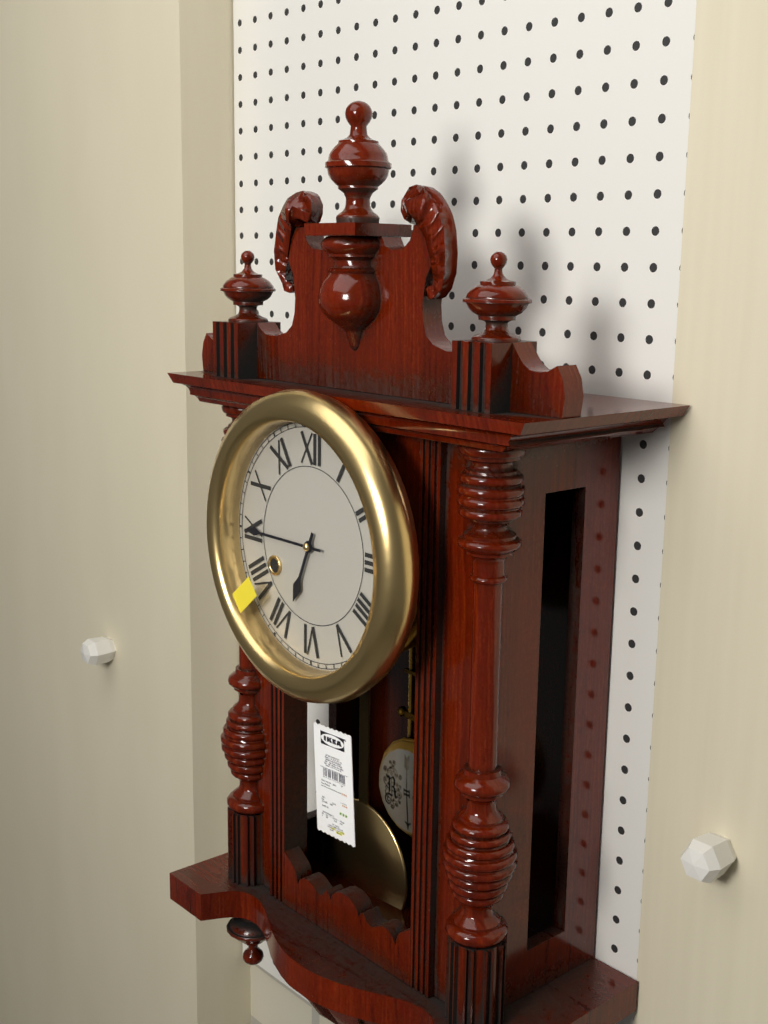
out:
6 h 45 min
